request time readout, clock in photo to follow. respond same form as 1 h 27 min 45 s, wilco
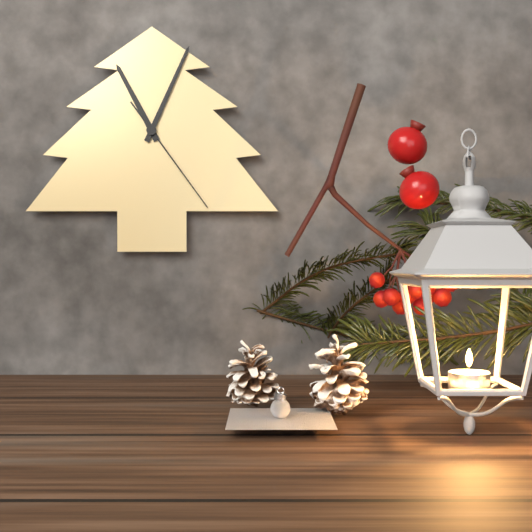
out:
11 h 04 min 24 s
